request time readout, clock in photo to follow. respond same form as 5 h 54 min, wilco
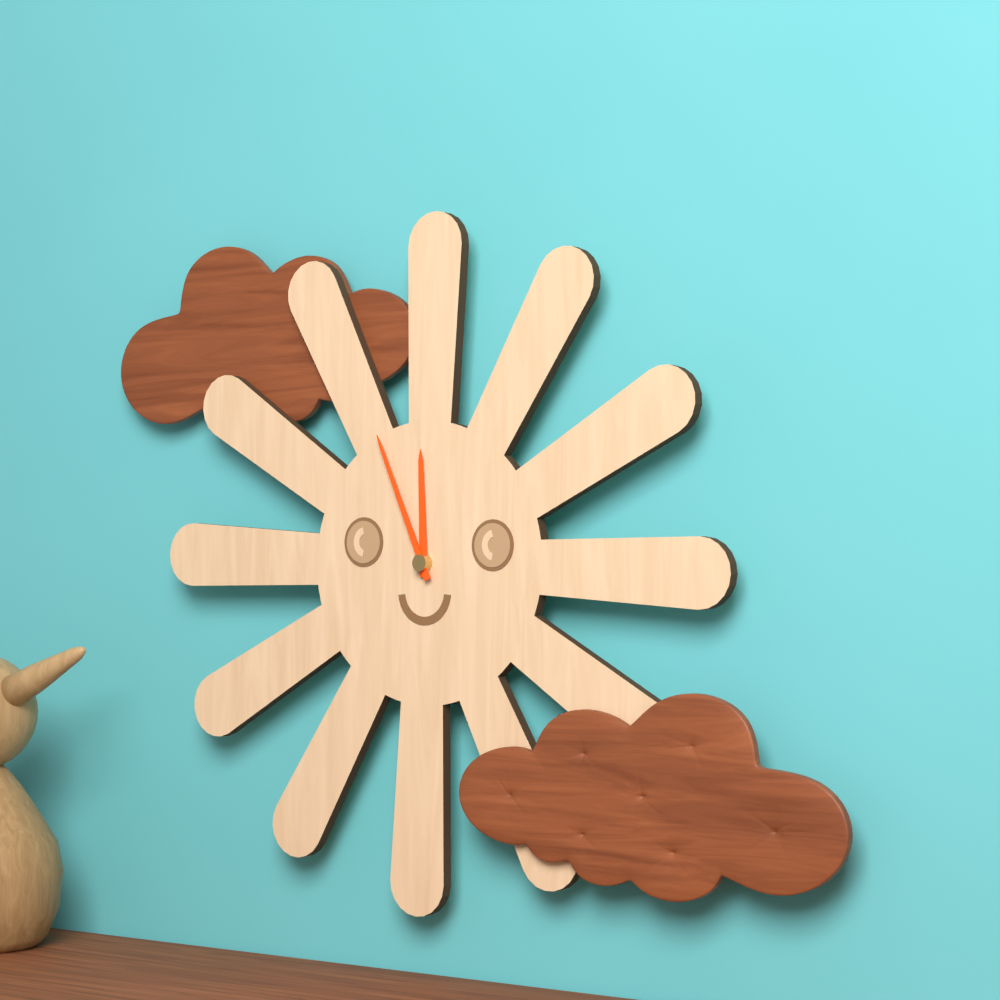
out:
11 h 56 min
